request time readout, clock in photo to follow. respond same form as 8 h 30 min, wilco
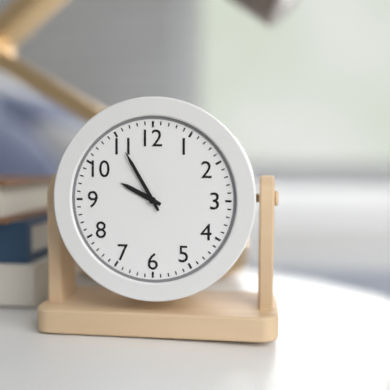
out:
9 h 55 min
